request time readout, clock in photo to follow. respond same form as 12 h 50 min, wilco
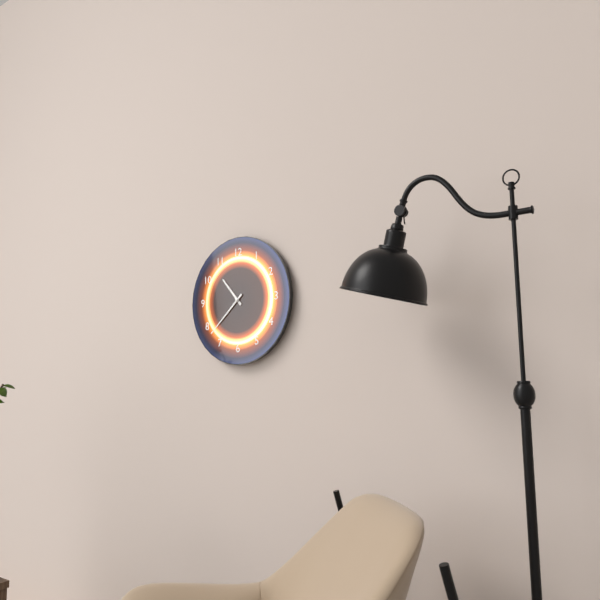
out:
10 h 38 min
